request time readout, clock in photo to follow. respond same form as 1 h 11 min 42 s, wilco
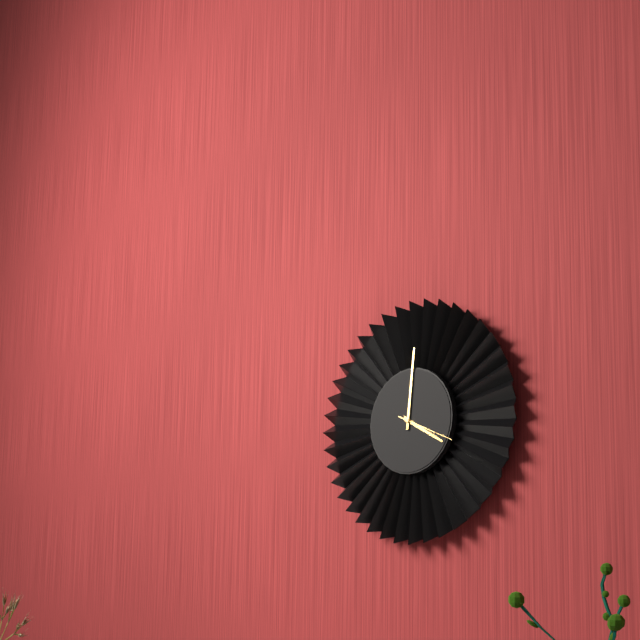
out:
4 h 01 min 19 s
